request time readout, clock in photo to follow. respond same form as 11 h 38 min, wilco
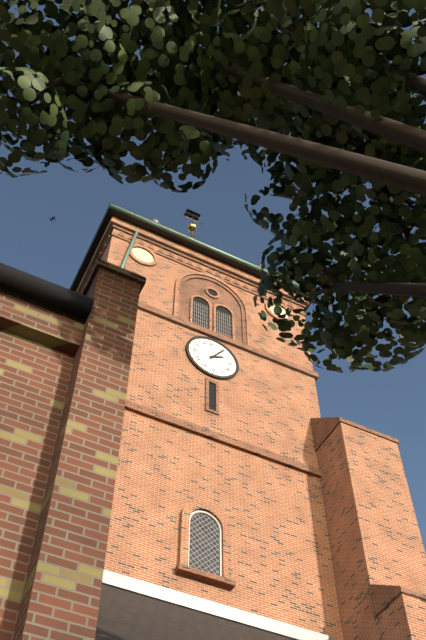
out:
2 h 06 min
